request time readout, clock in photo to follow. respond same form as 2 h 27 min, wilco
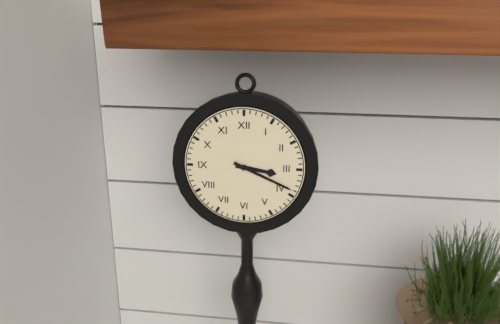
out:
3 h 19 min
